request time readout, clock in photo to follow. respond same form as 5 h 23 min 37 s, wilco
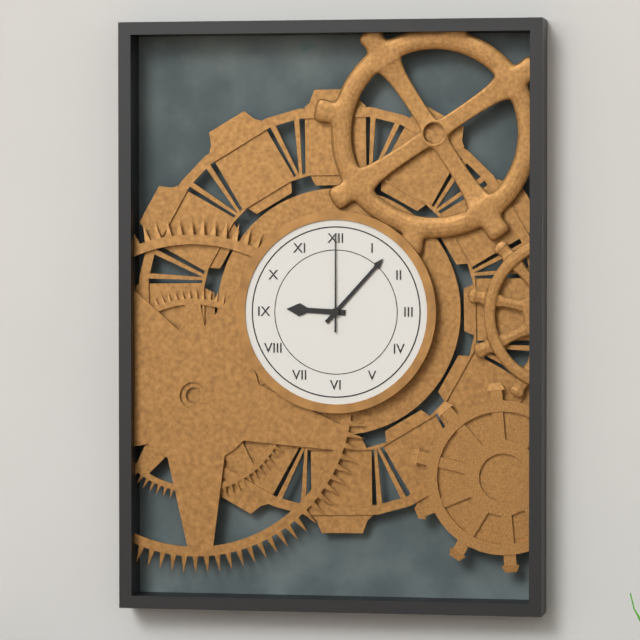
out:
9 h 07 min 00 s
